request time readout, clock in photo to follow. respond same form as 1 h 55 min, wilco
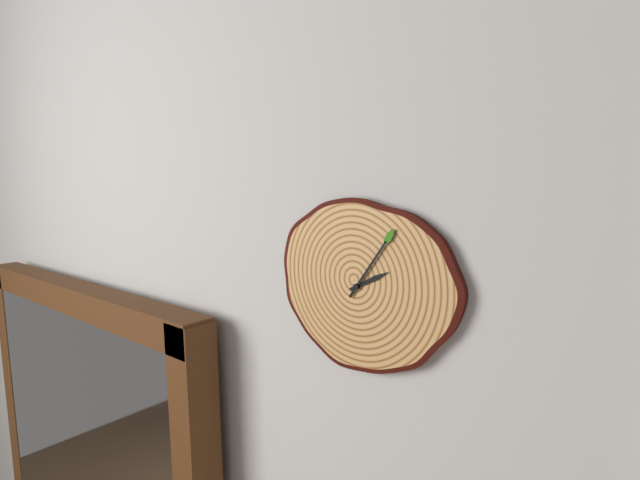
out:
2 h 06 min
